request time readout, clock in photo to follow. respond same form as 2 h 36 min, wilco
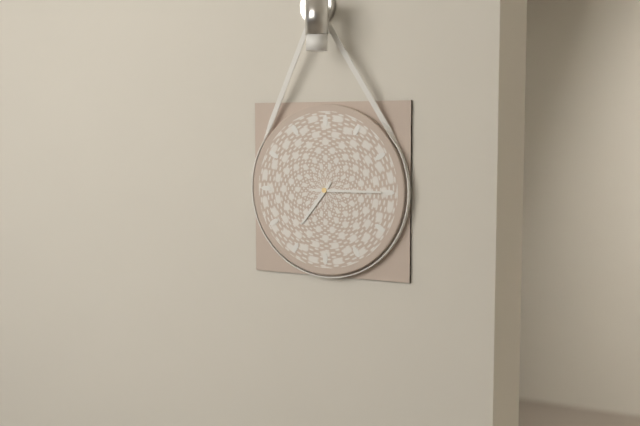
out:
7 h 15 min
